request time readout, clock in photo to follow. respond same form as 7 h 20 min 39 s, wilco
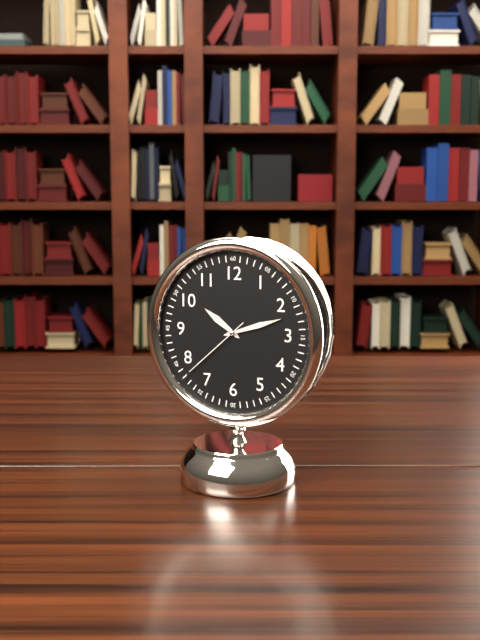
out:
10 h 12 min 38 s
